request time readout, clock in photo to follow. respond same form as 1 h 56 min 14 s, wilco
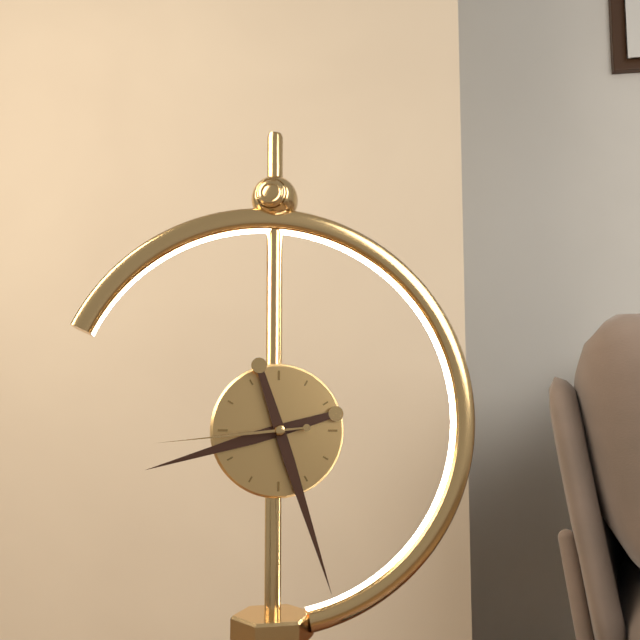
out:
8 h 27 min 44 s
